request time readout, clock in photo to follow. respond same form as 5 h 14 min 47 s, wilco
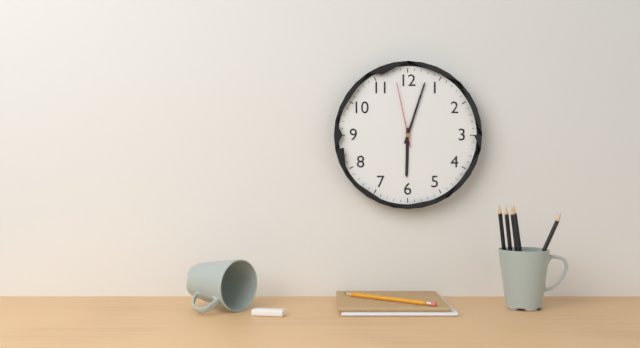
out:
6 h 03 min 58 s
